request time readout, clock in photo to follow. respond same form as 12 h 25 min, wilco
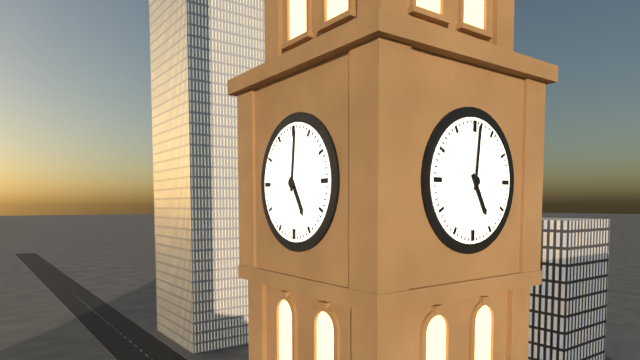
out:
5 h 01 min
